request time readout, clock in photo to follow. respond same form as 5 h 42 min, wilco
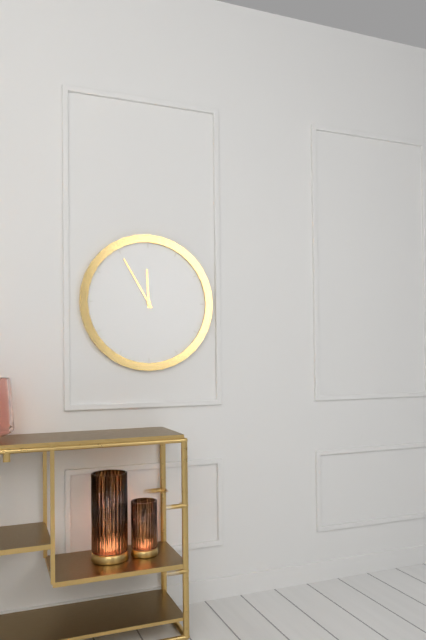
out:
11 h 55 min
